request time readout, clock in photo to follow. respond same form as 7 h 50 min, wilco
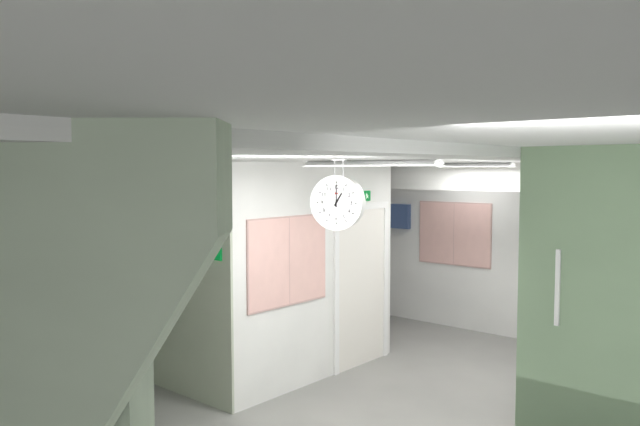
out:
1 h 00 min
